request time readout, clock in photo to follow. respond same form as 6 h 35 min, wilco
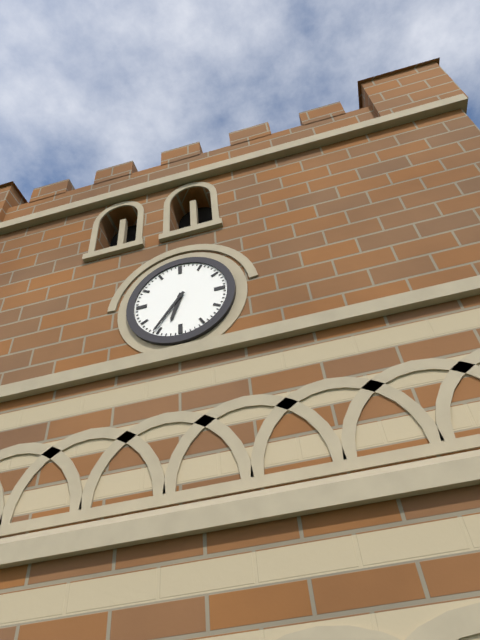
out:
6 h 36 min
